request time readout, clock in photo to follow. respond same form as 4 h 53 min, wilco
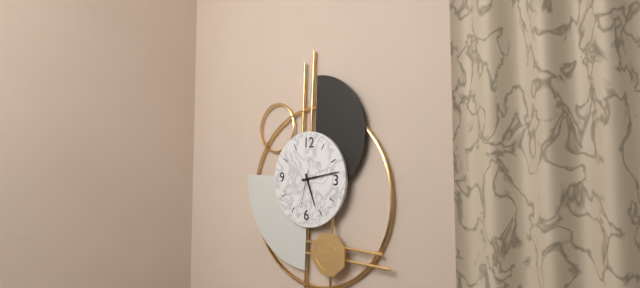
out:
5 h 13 min
